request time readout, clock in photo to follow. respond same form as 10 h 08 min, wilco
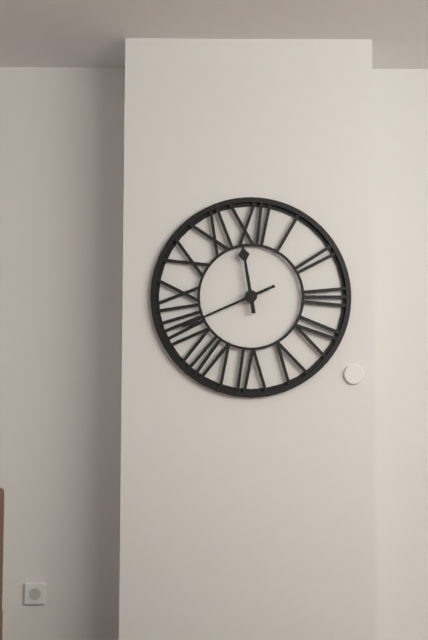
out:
11 h 41 min
